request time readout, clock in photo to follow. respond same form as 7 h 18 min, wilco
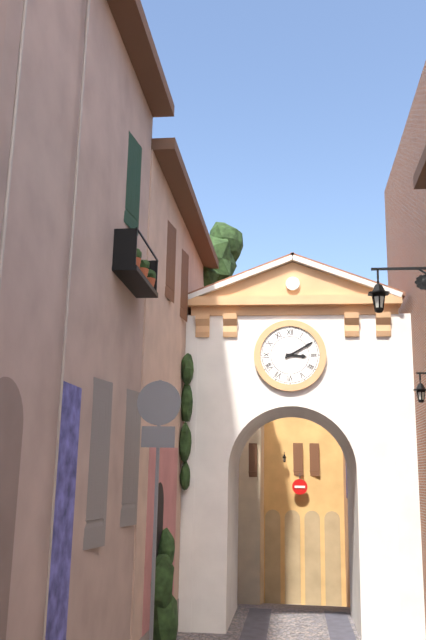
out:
3 h 10 min
